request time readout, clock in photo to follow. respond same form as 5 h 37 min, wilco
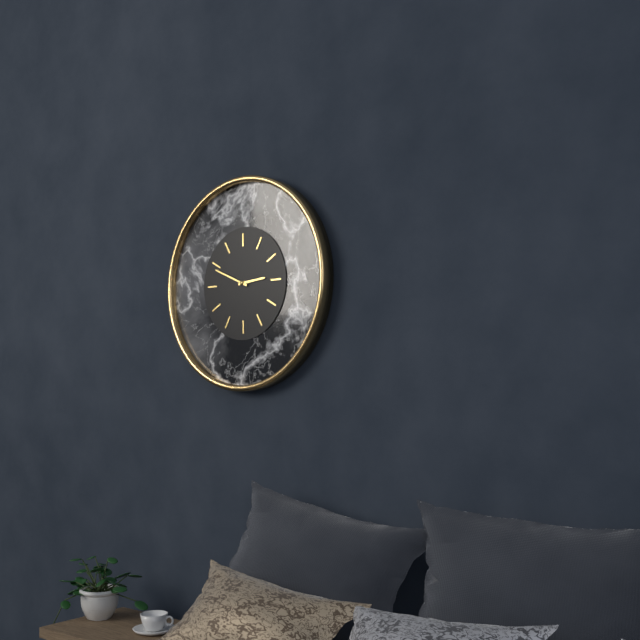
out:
2 h 49 min
